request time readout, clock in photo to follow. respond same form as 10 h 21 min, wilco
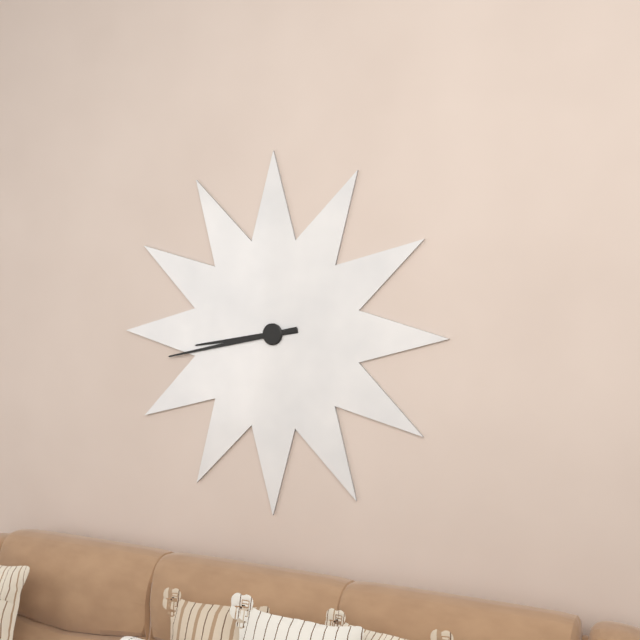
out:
8 h 43 min
